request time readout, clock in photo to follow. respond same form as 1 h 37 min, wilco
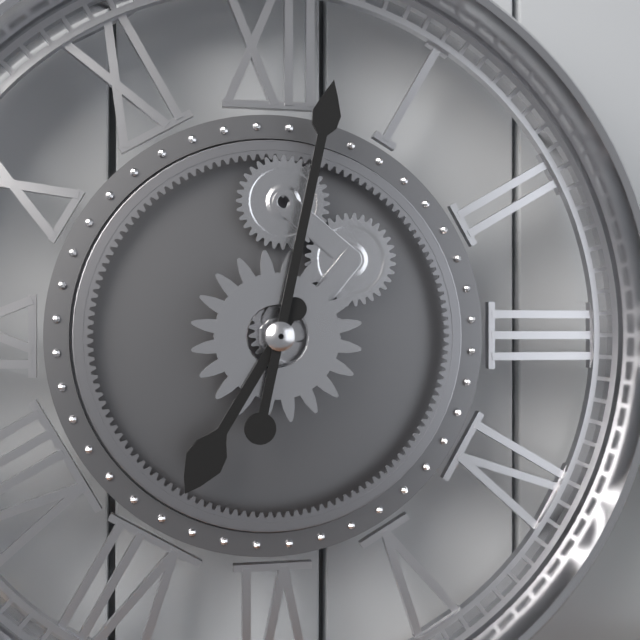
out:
7 h 02 min
